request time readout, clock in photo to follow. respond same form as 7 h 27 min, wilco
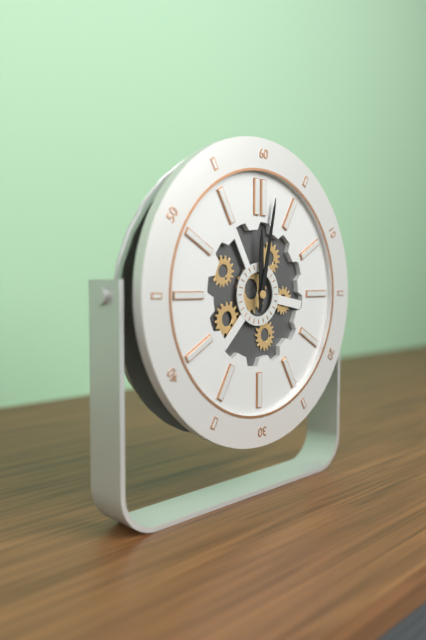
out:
12 h 02 min
